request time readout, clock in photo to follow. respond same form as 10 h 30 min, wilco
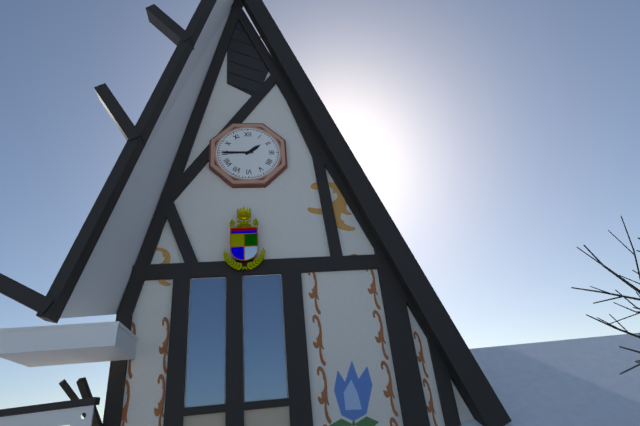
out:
1 h 45 min
